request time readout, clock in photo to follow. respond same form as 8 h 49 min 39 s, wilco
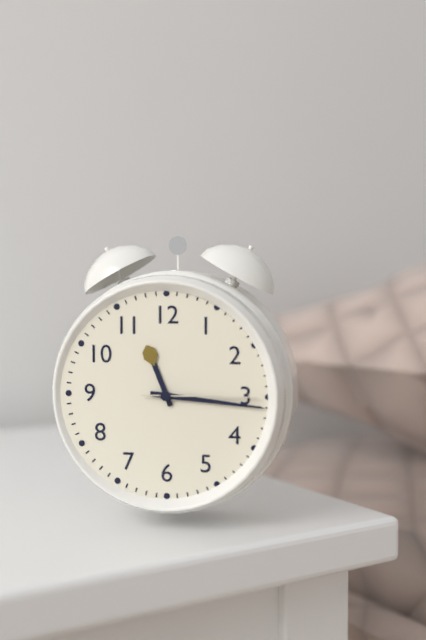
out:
11 h 16 min 15 s
